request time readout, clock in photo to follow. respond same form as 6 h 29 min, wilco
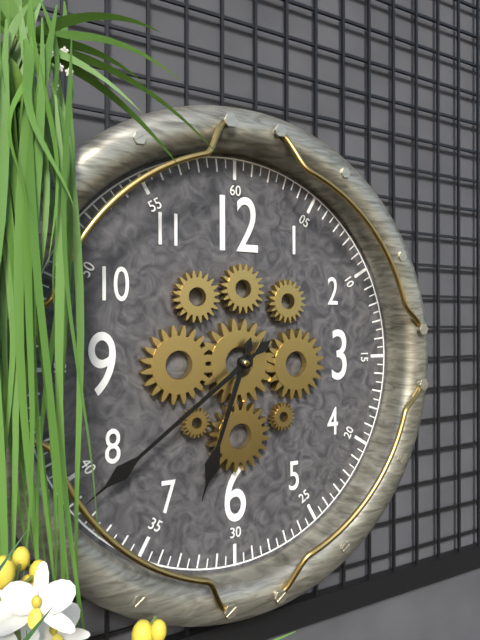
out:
6 h 39 min
